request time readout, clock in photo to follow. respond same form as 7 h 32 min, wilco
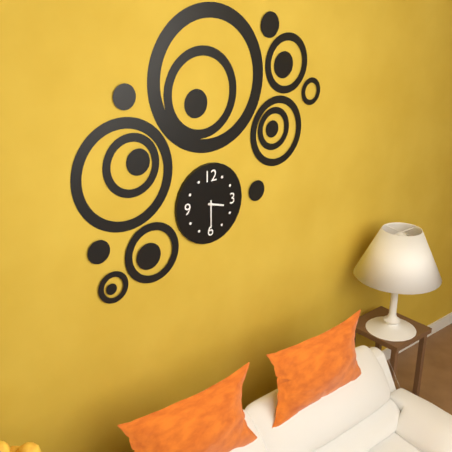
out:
3 h 30 min
